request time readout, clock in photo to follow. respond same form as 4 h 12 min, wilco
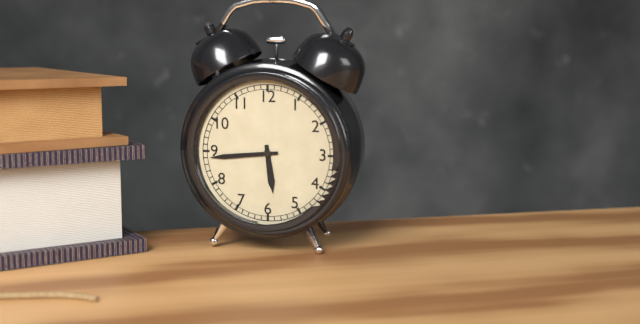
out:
5 h 44 min
